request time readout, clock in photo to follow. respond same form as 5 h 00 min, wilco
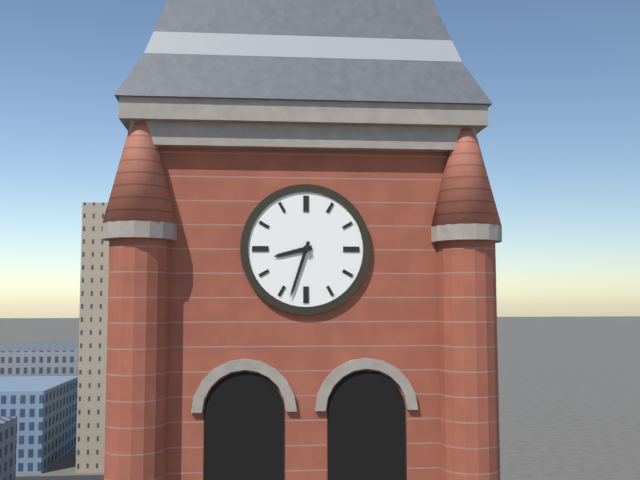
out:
8 h 33 min
